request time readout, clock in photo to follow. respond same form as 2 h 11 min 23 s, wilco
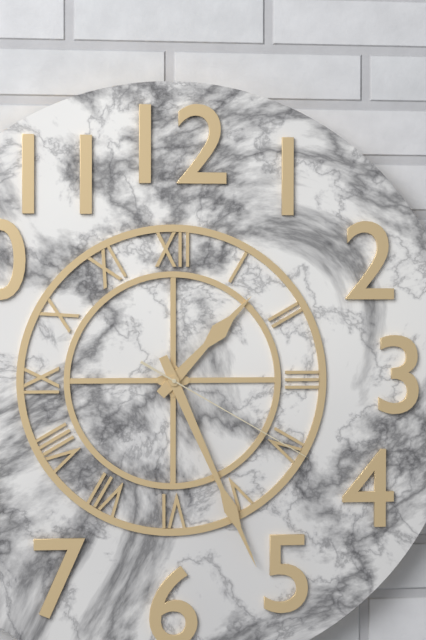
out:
1 h 26 min 20 s
